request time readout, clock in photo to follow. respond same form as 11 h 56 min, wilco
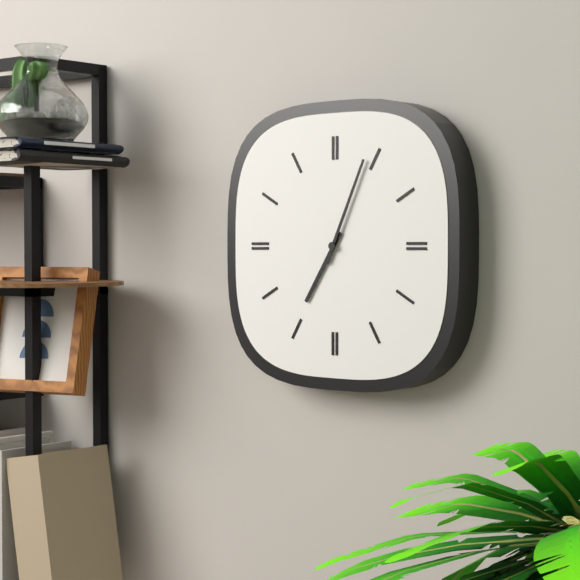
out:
7 h 04 min
